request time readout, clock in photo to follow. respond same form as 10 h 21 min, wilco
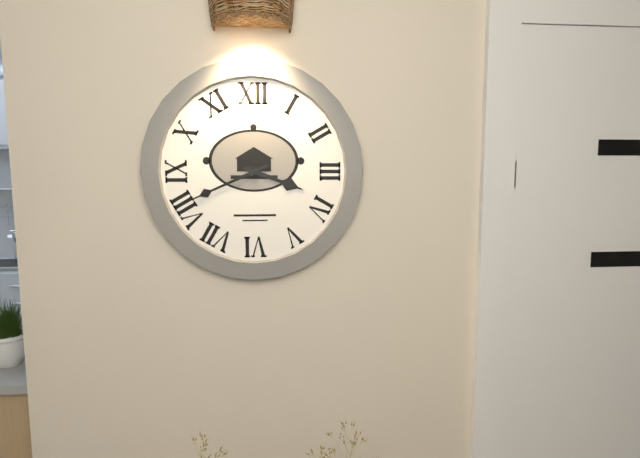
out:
3 h 41 min
